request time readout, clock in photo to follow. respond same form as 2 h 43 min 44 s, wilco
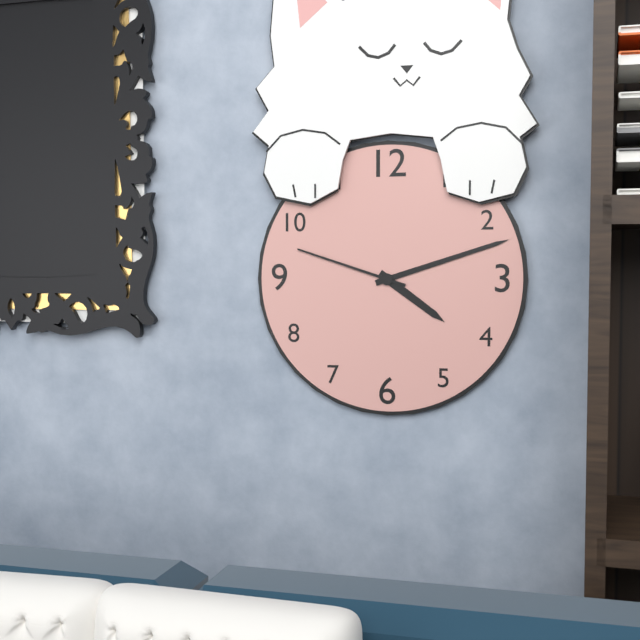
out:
4 h 12 min 48 s
